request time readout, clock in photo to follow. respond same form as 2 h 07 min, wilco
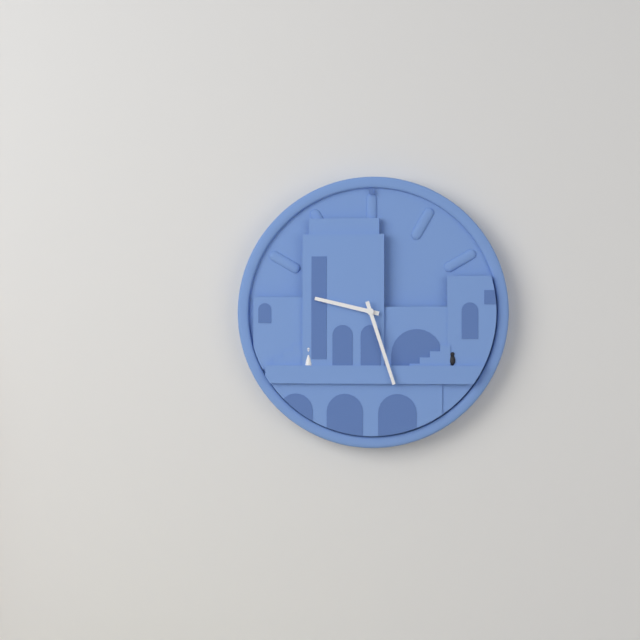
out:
9 h 27 min
